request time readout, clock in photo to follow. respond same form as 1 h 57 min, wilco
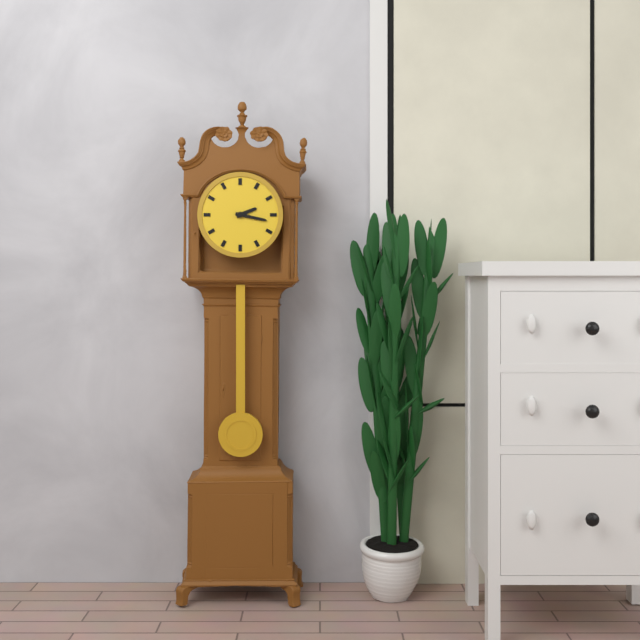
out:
2 h 17 min
